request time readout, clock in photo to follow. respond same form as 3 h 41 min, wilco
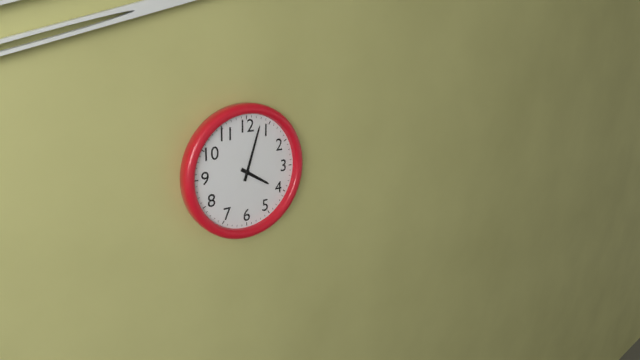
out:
4 h 03 min
